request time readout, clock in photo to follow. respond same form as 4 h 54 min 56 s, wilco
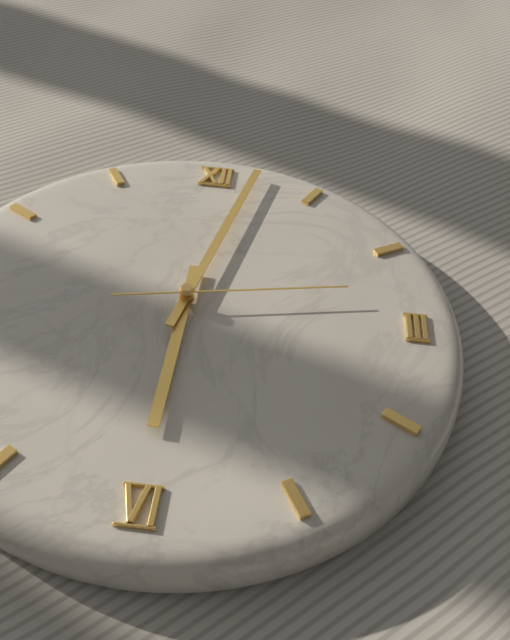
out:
6 h 02 min 13 s
